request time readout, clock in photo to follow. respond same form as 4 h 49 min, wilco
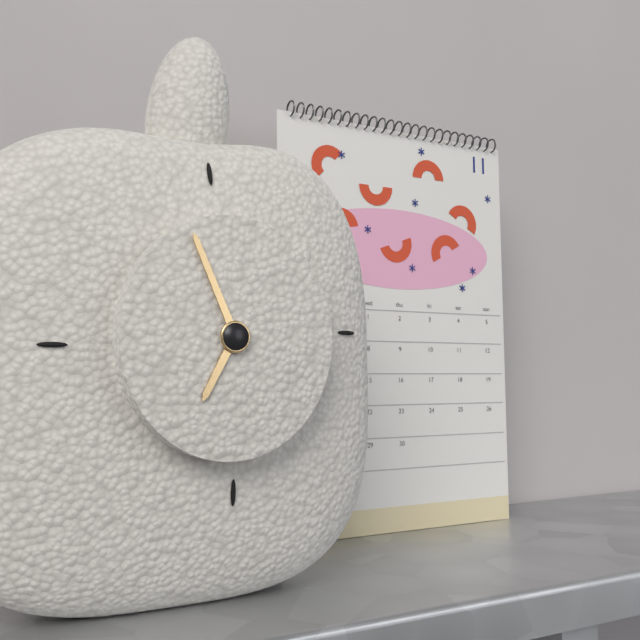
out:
6 h 56 min
